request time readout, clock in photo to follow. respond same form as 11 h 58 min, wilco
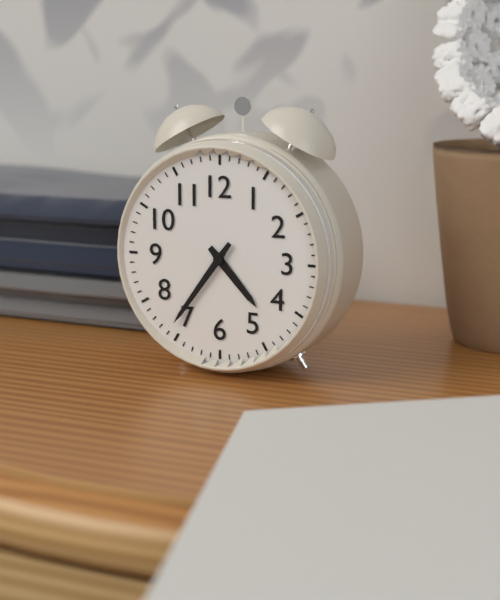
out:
4 h 36 min
